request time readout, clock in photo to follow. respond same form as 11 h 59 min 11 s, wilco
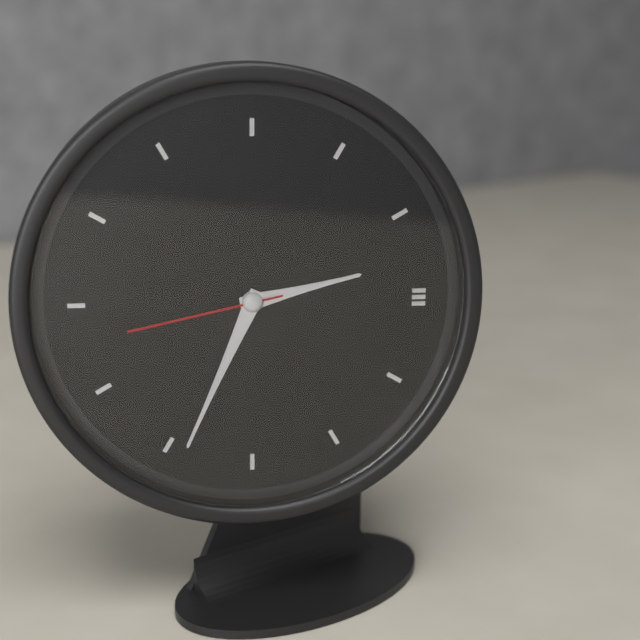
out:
2 h 34 min 43 s
